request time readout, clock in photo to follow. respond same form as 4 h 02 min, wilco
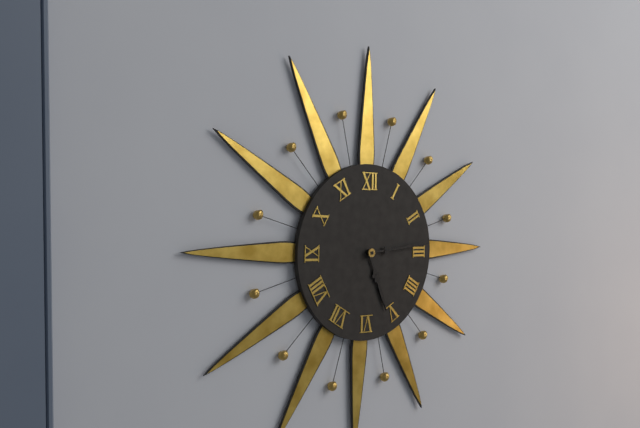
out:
5 h 14 min
